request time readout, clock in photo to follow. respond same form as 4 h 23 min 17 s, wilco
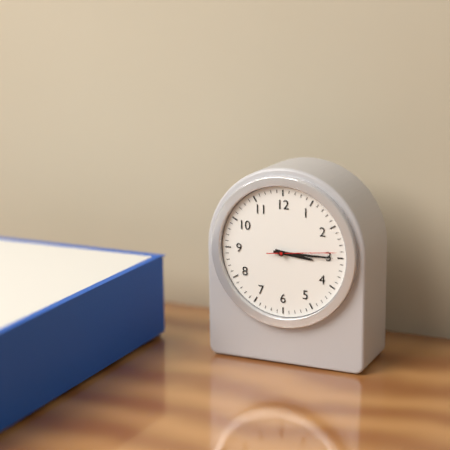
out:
3 h 15 min 14 s
